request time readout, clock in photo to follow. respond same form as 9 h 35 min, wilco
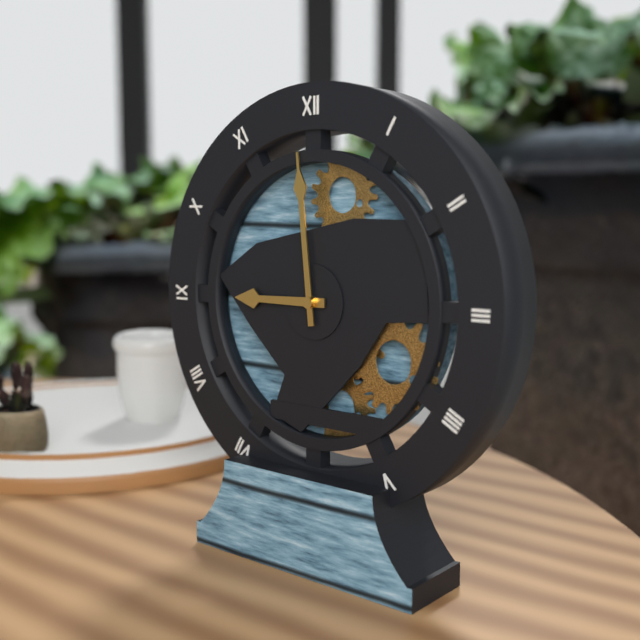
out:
8 h 59 min
